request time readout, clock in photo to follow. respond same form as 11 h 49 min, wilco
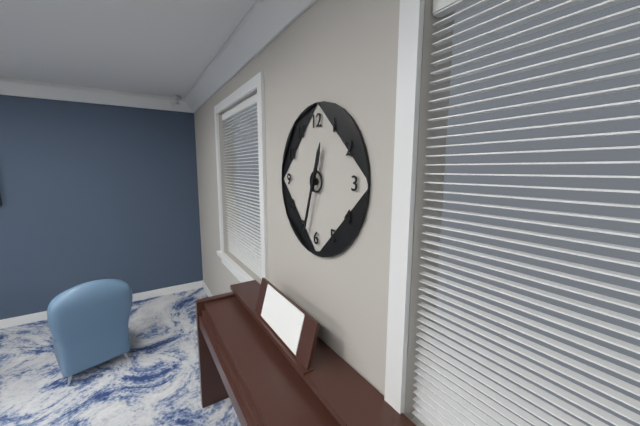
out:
12 h 33 min
